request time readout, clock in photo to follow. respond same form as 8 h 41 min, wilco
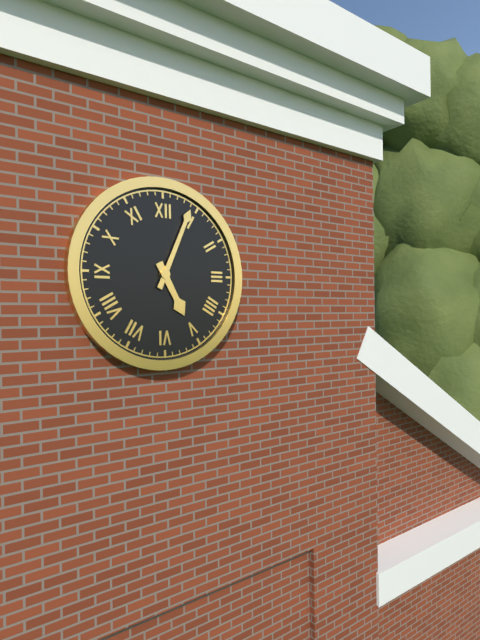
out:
5 h 04 min
